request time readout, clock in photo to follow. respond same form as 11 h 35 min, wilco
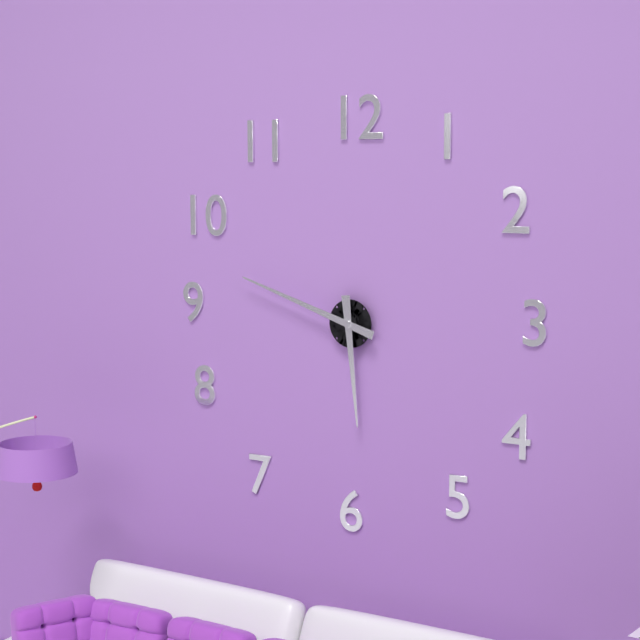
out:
5 h 48 min
